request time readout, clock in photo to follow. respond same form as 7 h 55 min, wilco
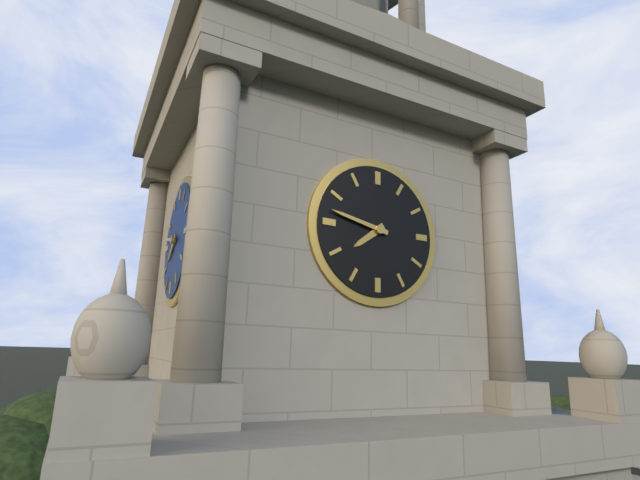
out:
7 h 47 min
